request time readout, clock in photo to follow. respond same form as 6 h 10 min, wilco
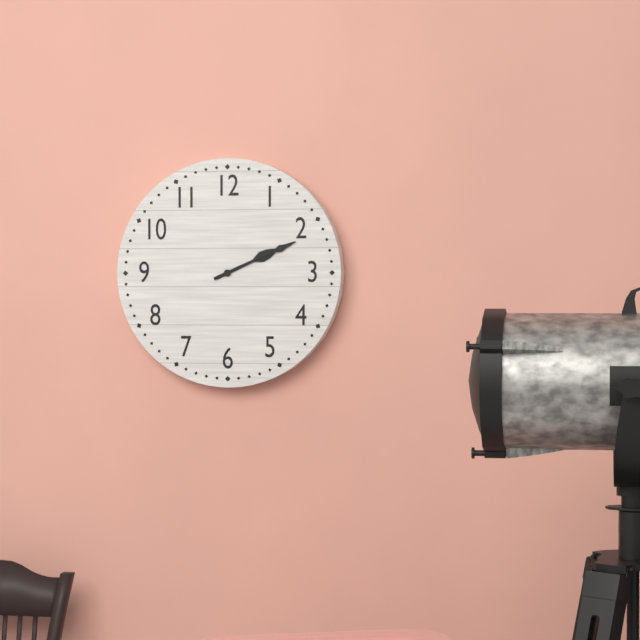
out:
2 h 11 min
